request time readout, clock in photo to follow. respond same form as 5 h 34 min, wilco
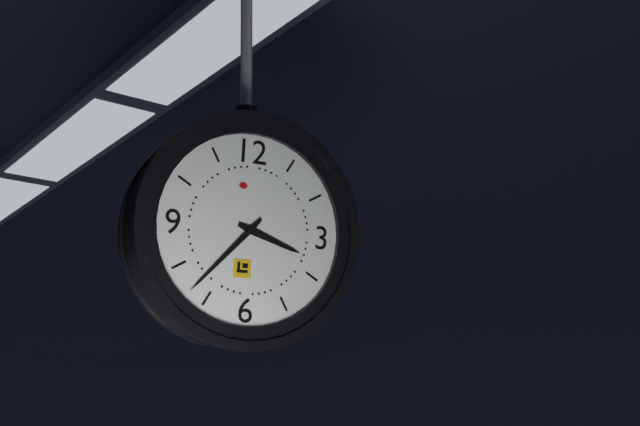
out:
3 h 37 min
